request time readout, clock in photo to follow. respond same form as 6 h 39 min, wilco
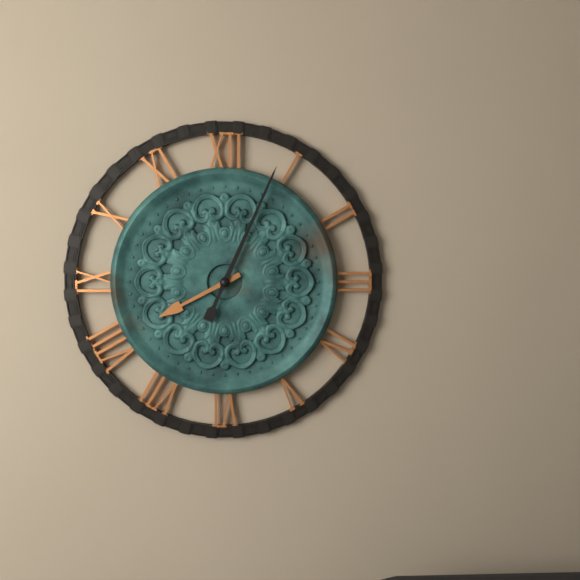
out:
8 h 04 min
